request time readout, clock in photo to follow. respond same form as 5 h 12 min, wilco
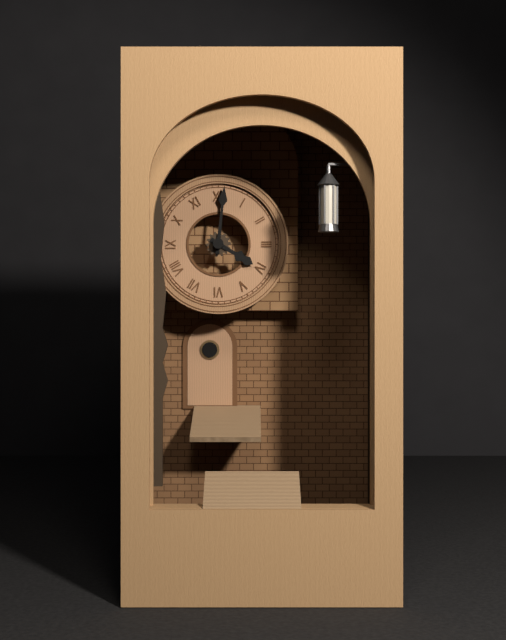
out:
4 h 01 min
